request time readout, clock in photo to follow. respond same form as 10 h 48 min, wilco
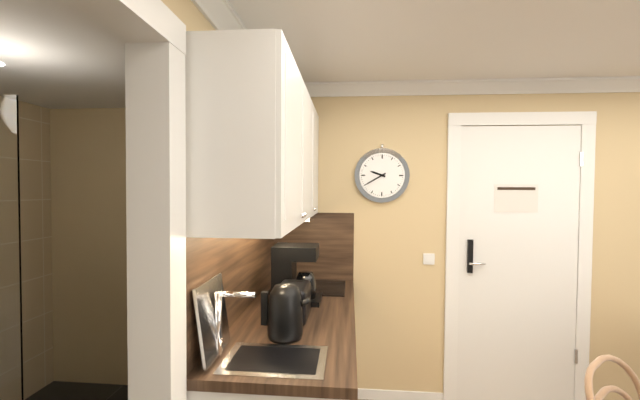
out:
9 h 40 min
